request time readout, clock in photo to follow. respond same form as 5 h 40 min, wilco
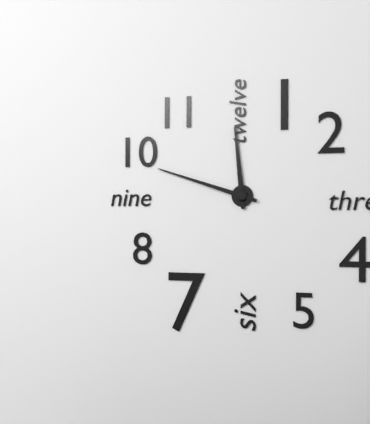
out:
11 h 48 min
